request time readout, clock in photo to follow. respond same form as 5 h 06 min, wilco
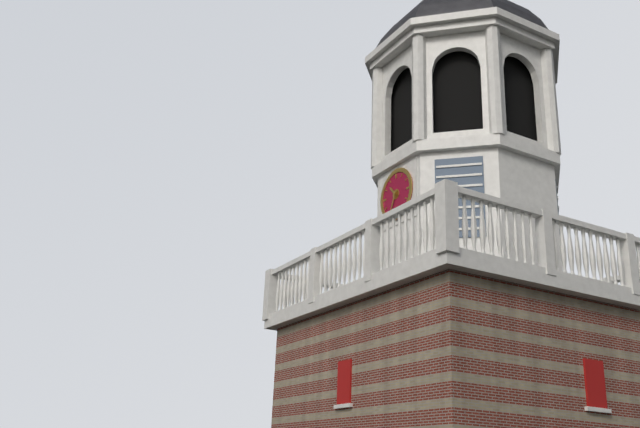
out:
10 h 34 min
